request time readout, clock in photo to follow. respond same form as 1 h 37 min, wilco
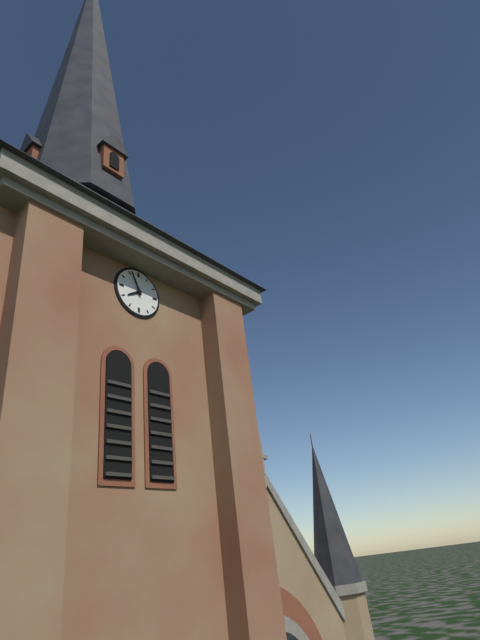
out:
7 h 56 min
